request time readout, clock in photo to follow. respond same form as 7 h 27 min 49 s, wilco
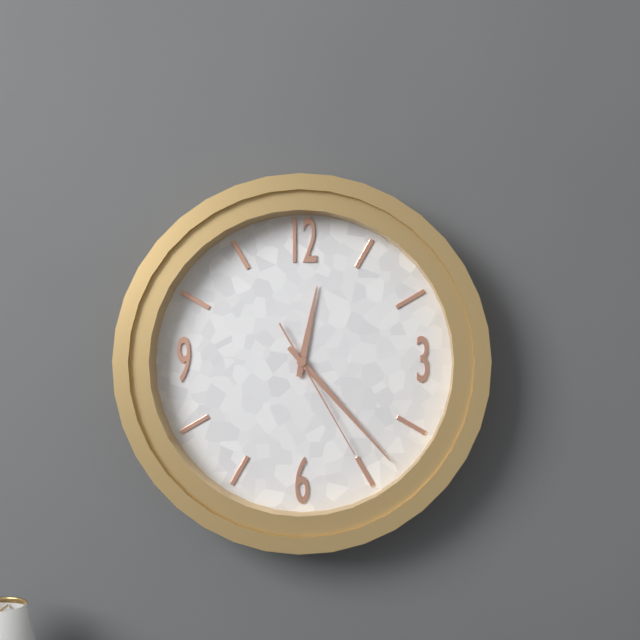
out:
12 h 23 min 25 s
